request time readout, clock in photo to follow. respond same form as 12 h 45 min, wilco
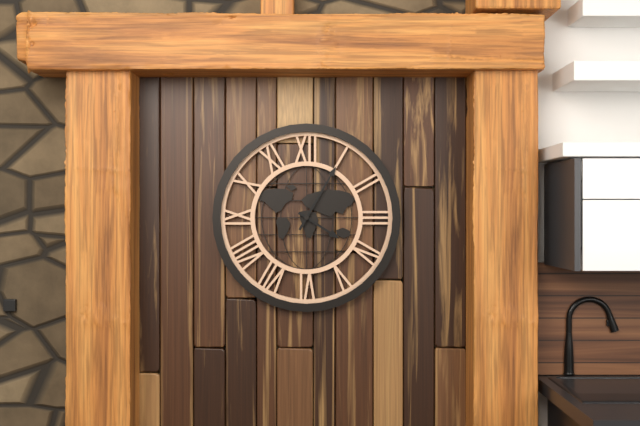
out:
4 h 05 min
